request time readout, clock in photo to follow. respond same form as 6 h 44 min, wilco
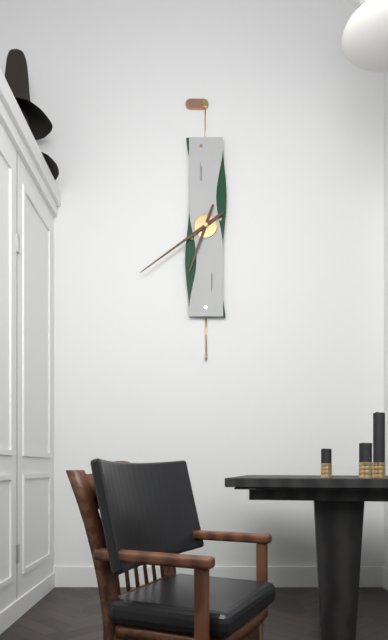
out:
6 h 39 min
